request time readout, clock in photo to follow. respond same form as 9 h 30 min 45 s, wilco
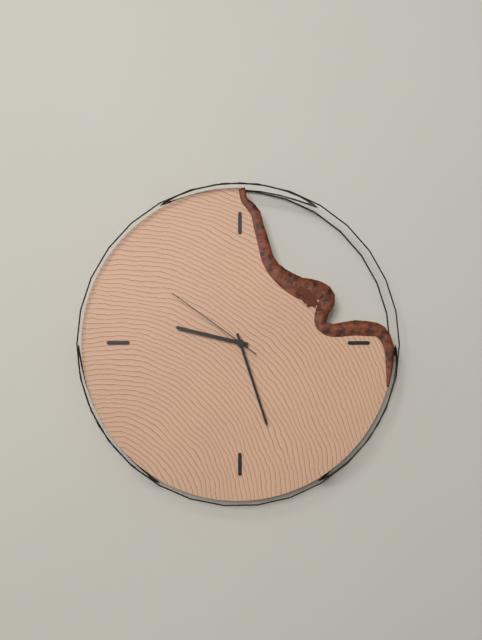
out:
9 h 27 min 51 s
